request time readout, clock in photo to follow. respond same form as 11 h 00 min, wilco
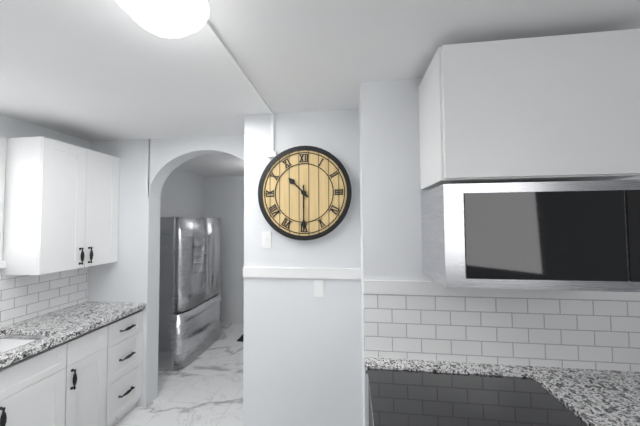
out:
10 h 30 min
